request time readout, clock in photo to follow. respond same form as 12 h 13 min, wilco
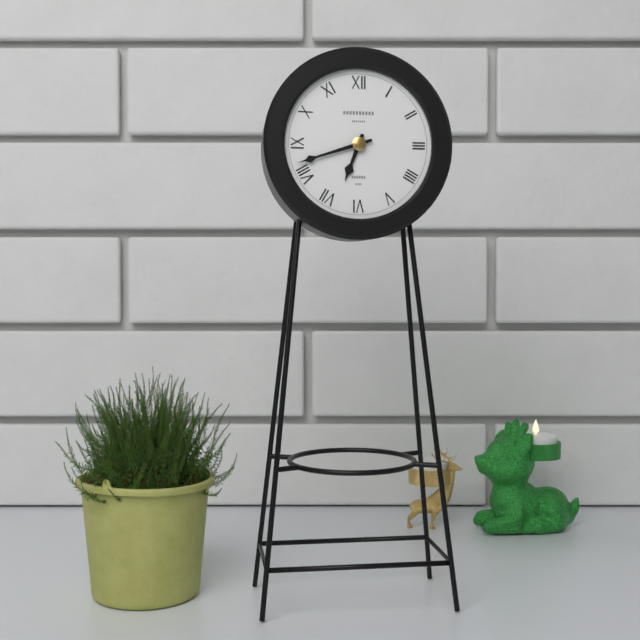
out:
6 h 42 min
